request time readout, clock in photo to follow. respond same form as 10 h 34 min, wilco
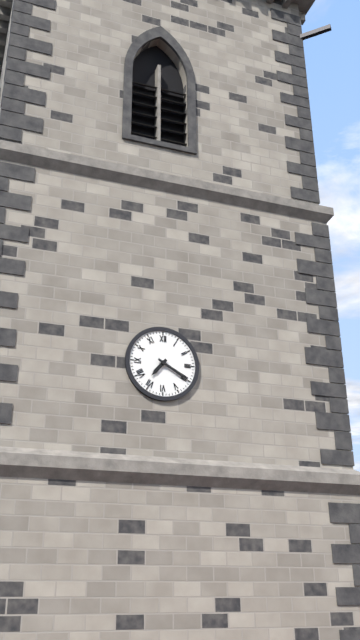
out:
7 h 20 min
